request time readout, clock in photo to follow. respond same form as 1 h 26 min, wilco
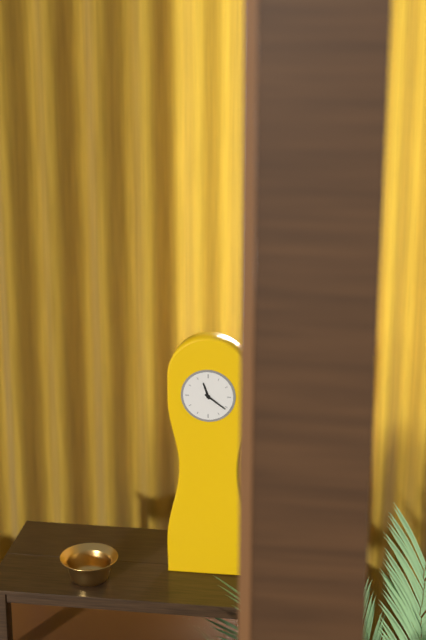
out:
11 h 21 min
